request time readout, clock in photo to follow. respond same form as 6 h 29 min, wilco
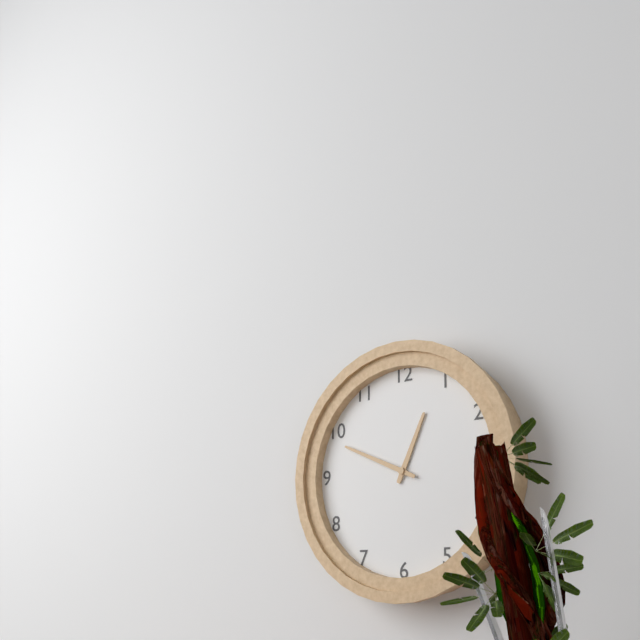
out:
12 h 49 min
